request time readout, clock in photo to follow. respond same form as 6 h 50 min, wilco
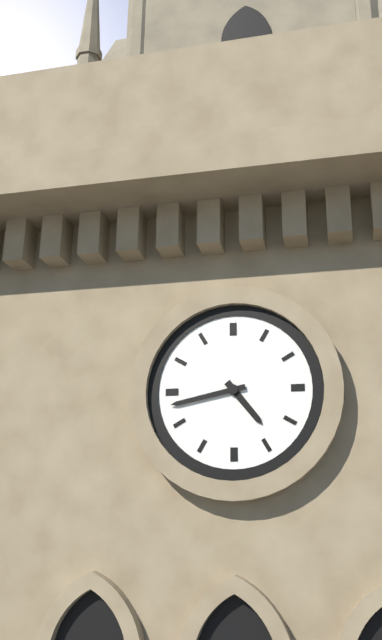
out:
4 h 43 min
